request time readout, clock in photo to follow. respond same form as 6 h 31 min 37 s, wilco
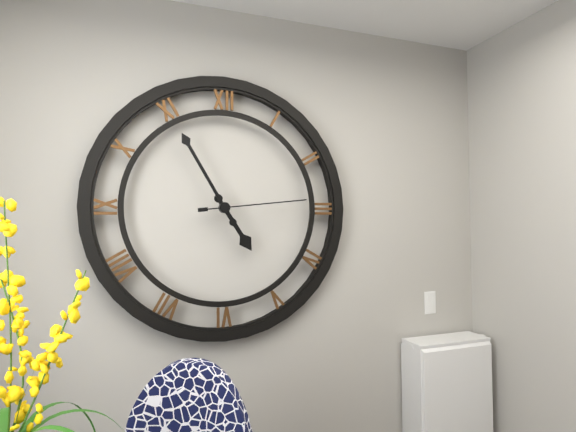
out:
4 h 55 min 14 s
